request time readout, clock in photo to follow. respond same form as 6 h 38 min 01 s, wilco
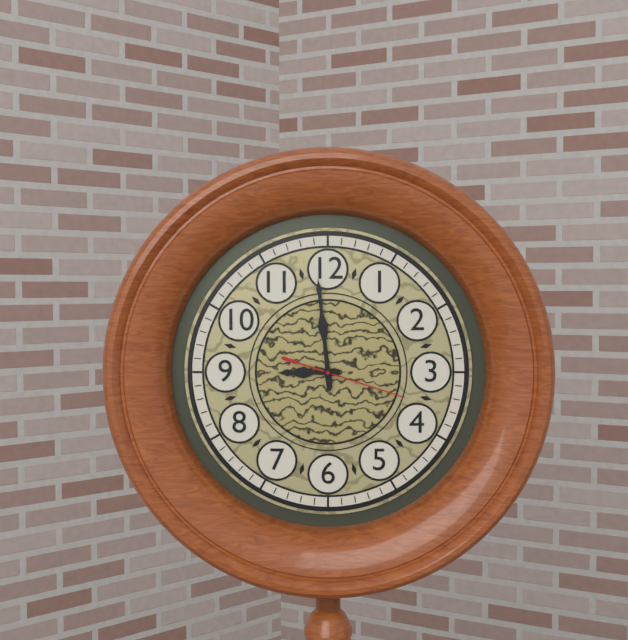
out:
8 h 59 min 18 s
